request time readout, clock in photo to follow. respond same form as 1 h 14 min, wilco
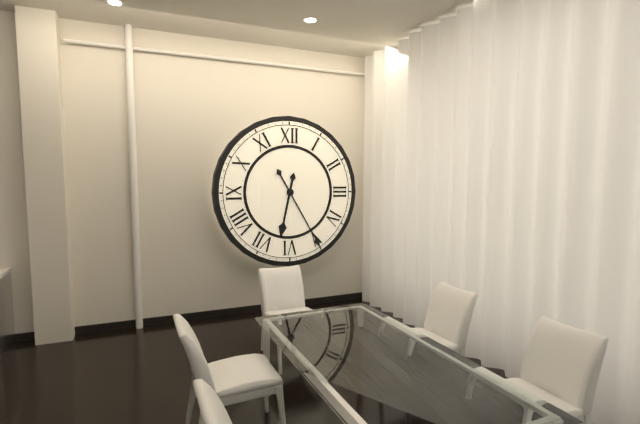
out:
6 h 25 min
